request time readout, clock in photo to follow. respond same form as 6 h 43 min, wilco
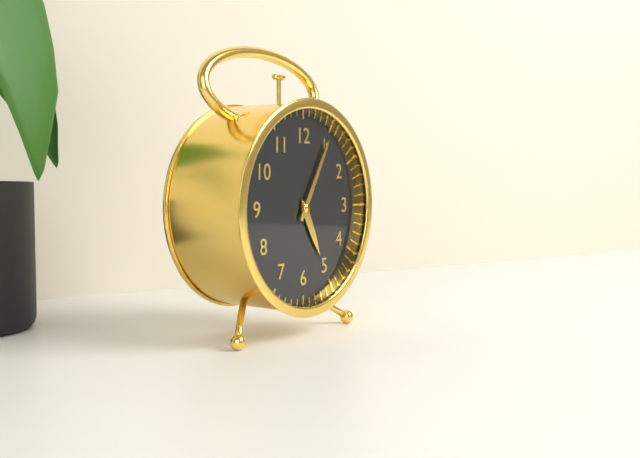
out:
5 h 05 min
